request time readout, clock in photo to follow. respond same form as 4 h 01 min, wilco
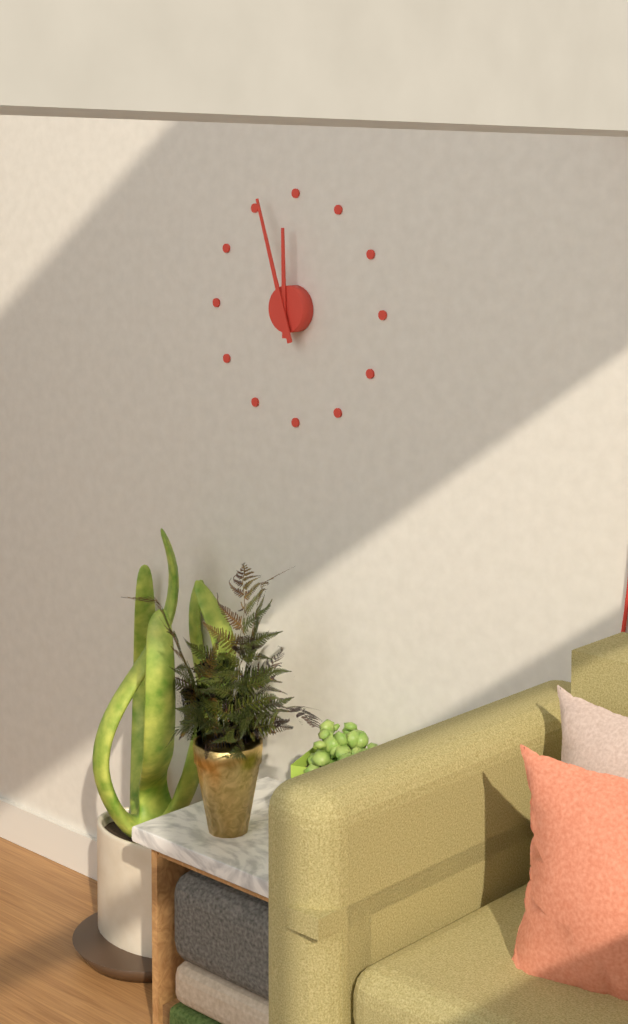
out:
11 h 57 min
